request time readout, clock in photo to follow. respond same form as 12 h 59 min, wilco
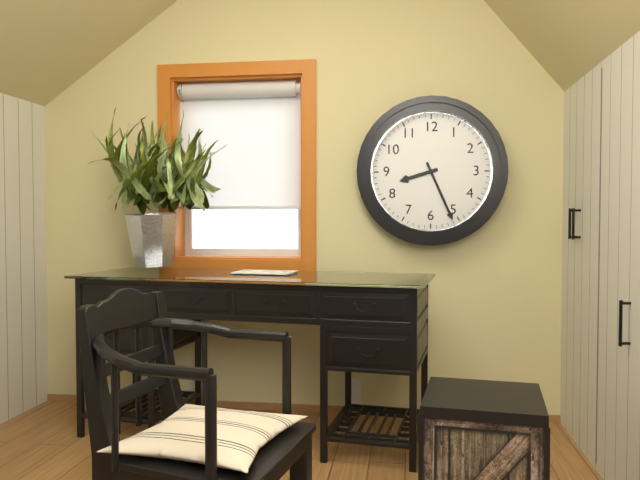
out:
8 h 26 min
